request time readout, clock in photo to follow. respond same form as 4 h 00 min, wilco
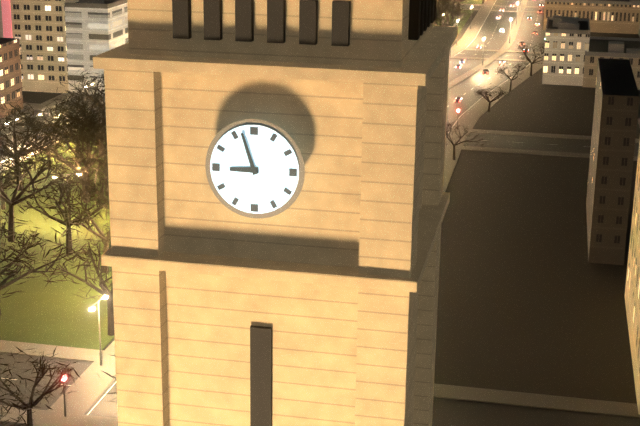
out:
8 h 57 min
